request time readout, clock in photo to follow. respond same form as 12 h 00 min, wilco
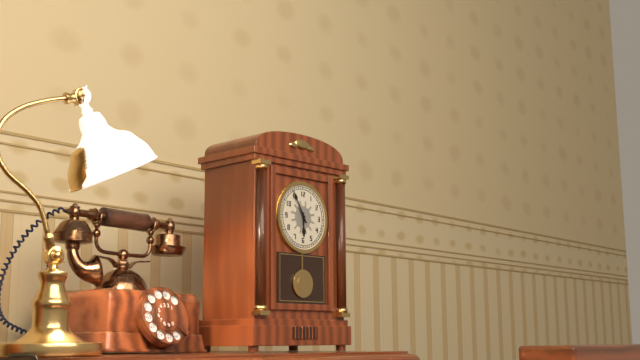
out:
5 h 55 min
